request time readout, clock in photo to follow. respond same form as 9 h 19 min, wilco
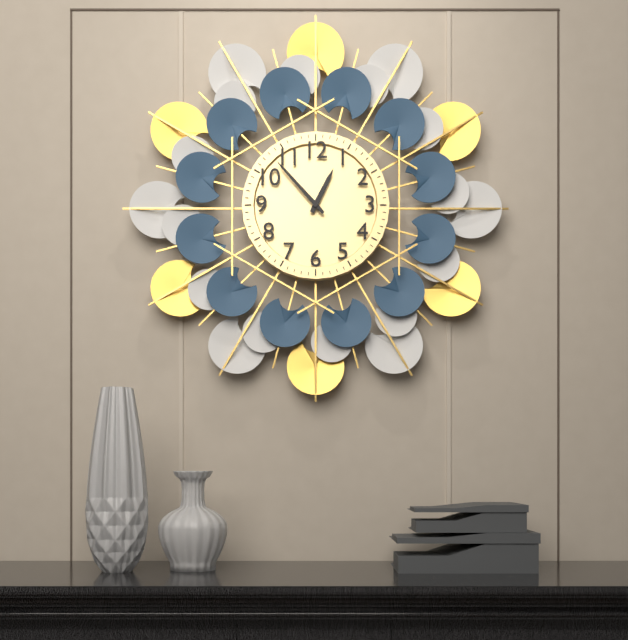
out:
12 h 53 min
